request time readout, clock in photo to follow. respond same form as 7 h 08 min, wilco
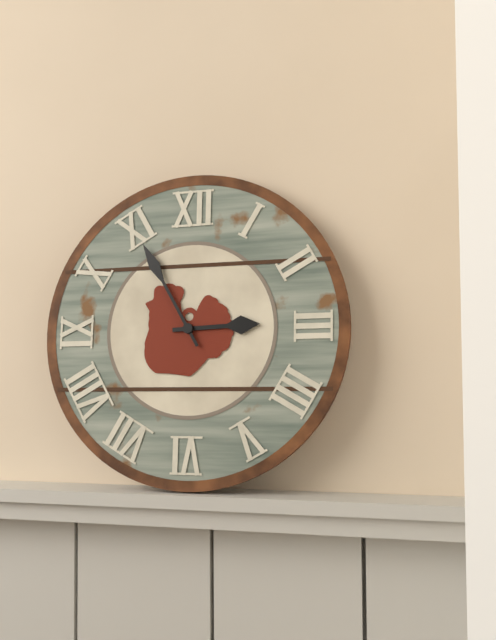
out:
2 h 55 min
